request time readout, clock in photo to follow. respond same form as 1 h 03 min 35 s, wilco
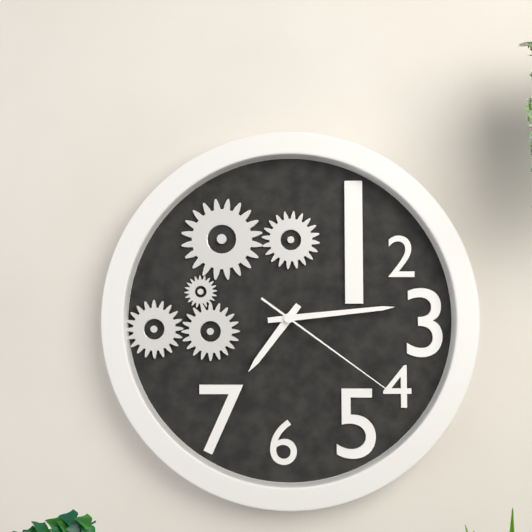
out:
7 h 14 min 21 s
